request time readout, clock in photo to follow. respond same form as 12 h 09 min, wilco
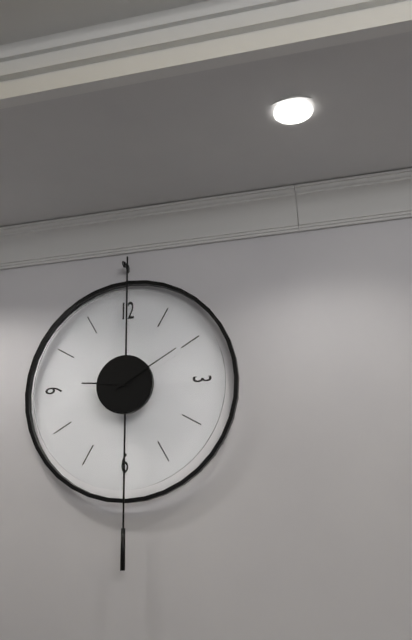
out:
9 h 10 min
